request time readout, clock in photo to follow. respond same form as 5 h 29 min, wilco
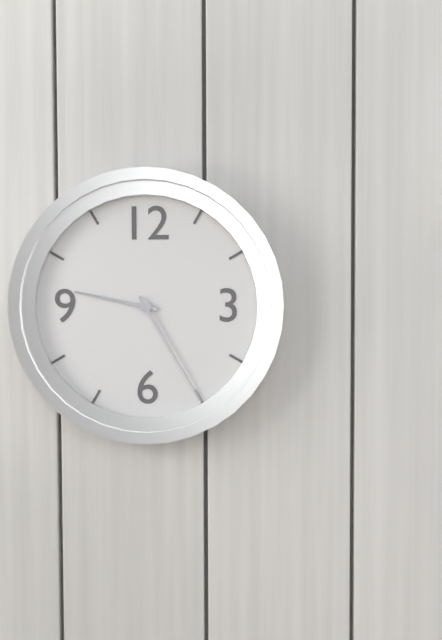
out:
9 h 25 min
